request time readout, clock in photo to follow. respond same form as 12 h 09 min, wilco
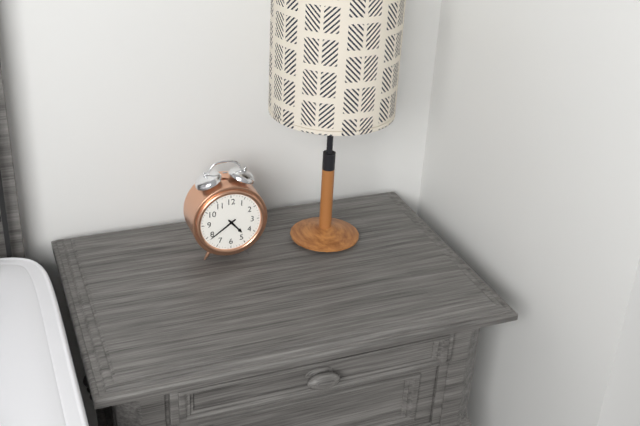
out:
4 h 39 min
